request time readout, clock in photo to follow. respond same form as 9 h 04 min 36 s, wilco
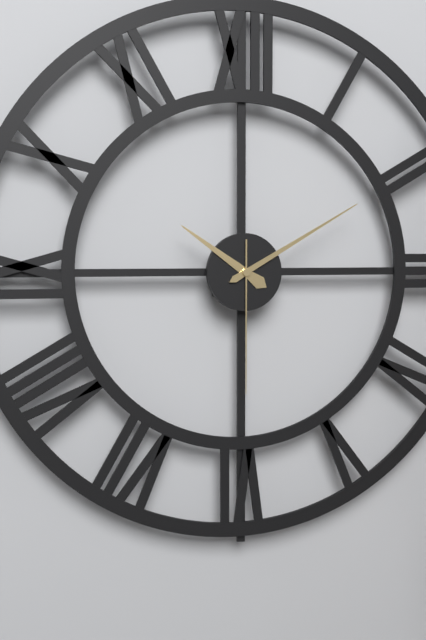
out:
10 h 10 min 30 s
